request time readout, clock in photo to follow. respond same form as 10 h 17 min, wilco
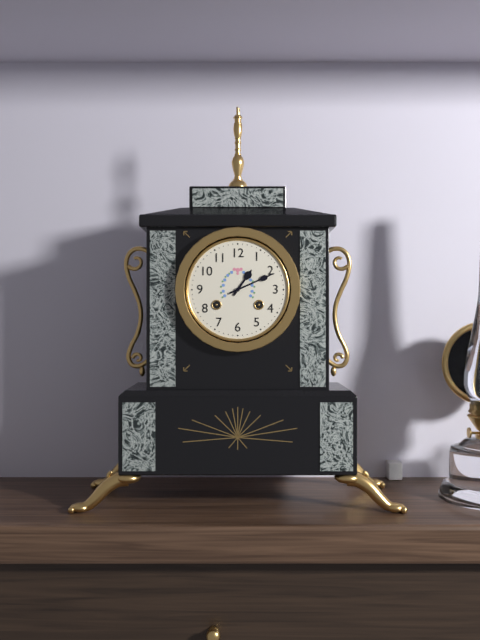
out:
1 h 11 min
